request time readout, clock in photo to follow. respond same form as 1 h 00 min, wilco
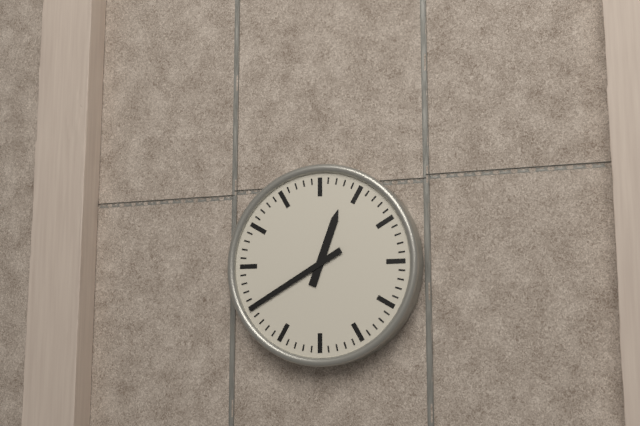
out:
12 h 40 min
